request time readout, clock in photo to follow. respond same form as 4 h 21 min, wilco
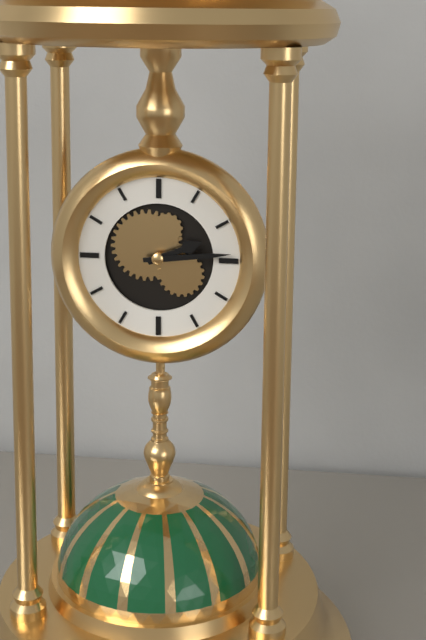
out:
2 h 14 min
